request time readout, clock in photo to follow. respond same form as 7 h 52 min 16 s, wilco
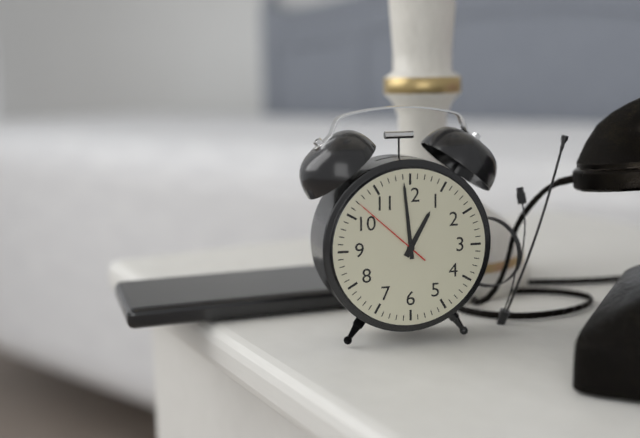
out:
12 h 59 min 52 s
